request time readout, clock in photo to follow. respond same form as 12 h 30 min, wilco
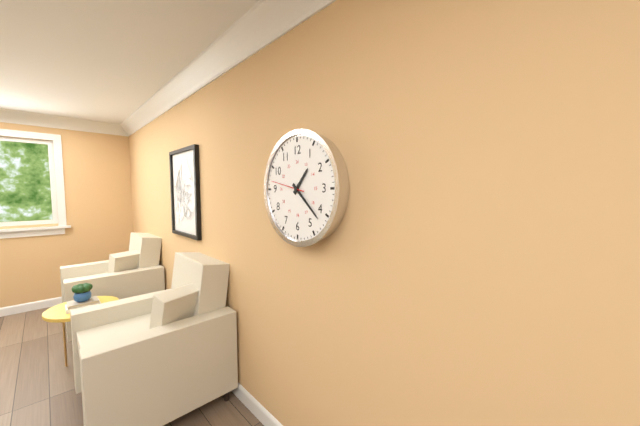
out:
1 h 22 min
